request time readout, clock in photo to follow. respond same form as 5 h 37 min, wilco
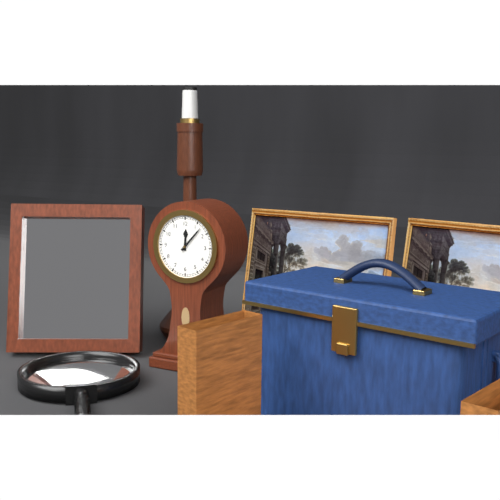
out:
12 h 07 min
